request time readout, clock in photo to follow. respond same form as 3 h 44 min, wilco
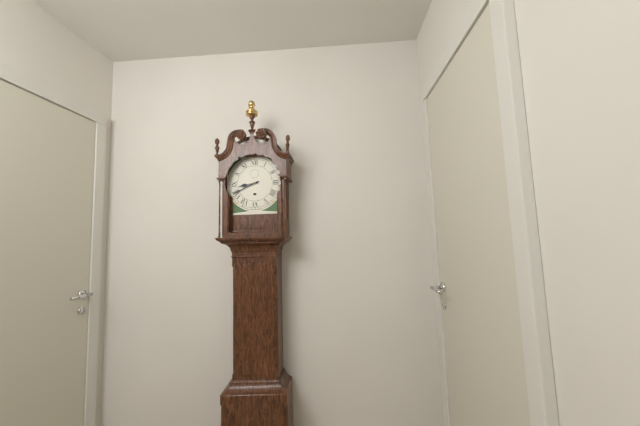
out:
8 h 41 min
